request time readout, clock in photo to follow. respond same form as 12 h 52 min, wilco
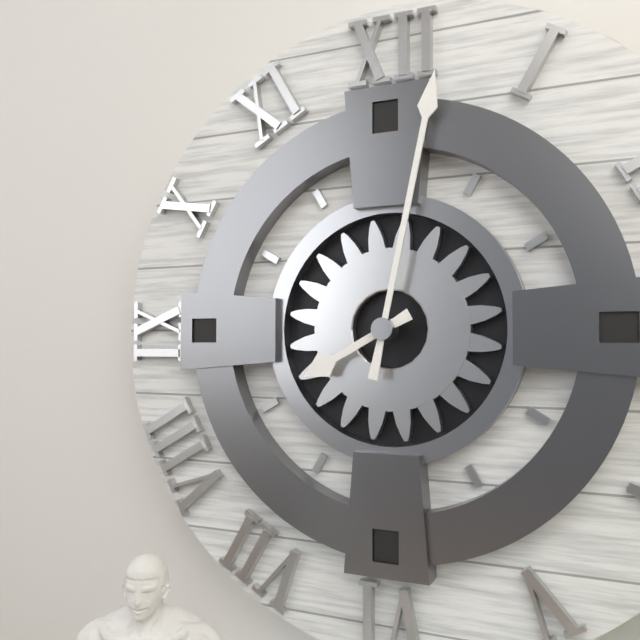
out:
8 h 02 min
